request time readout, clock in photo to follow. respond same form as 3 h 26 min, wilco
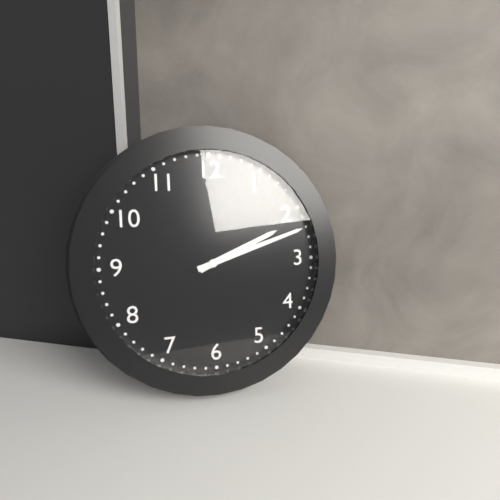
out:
2 h 12 min
